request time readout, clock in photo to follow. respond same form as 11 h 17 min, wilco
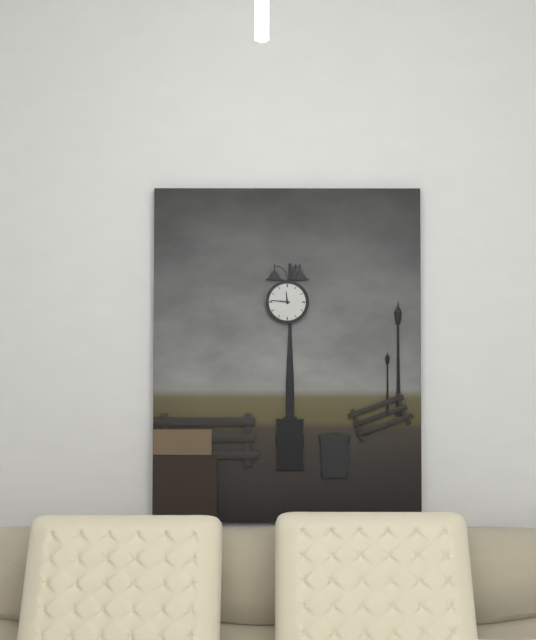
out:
11 h 46 min
